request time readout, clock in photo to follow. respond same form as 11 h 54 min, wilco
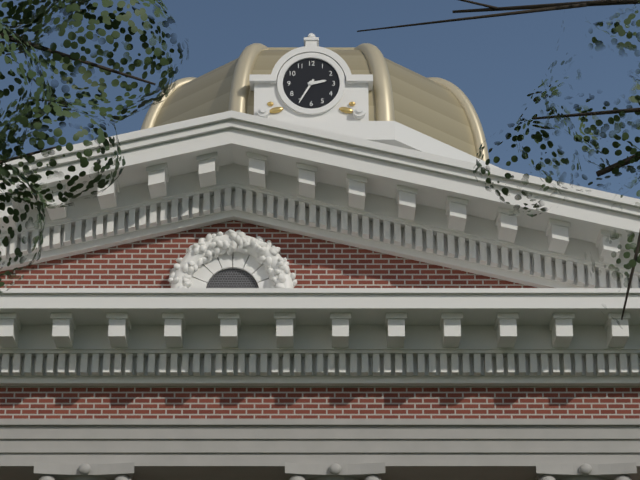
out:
2 h 35 min
